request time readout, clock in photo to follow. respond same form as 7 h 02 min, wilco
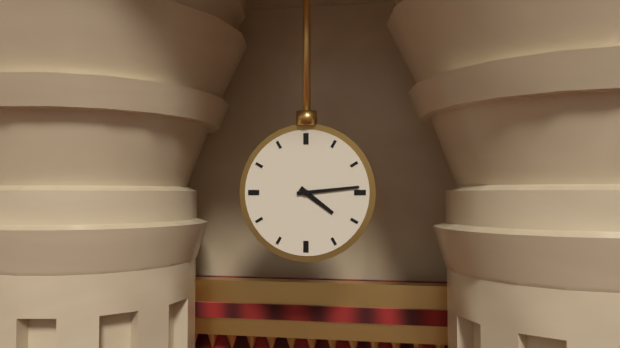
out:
4 h 14 min
